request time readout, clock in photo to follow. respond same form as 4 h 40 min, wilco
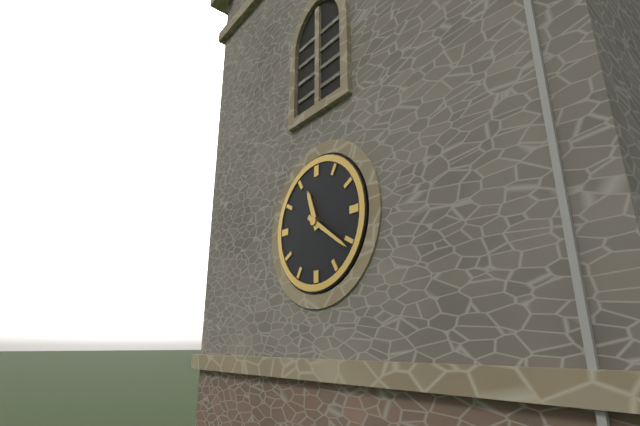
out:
11 h 21 min
